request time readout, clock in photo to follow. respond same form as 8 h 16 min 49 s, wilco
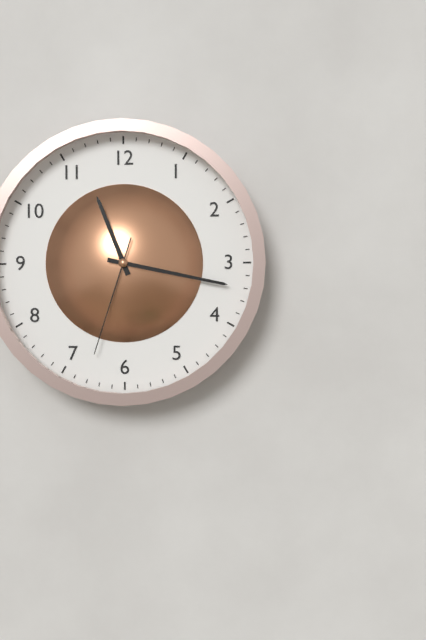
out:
11 h 17 min 33 s
